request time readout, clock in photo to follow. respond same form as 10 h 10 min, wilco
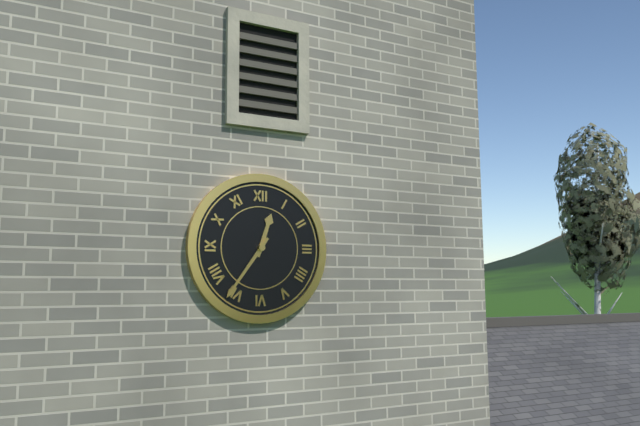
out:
12 h 36 min
